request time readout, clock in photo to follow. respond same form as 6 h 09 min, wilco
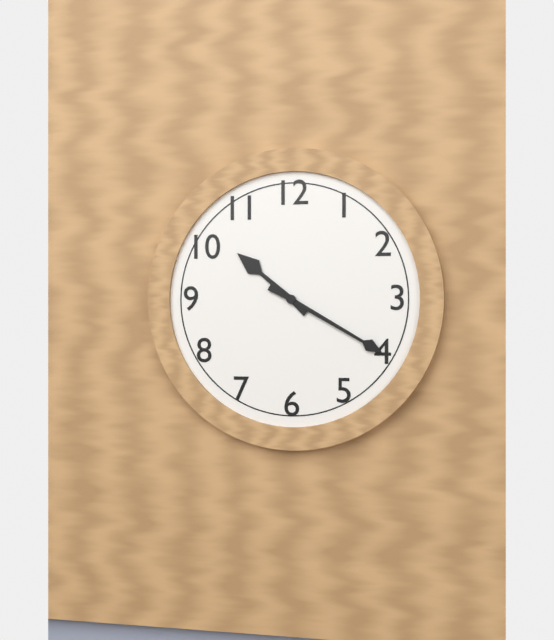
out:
10 h 20 min
